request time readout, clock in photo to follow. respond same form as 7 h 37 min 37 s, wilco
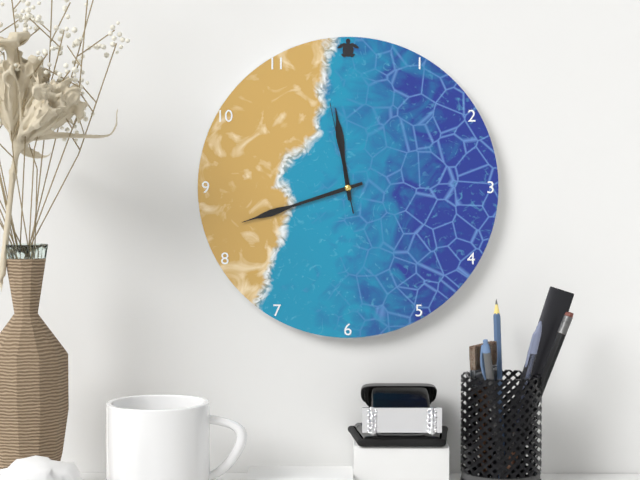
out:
11 h 42 min 58 s
